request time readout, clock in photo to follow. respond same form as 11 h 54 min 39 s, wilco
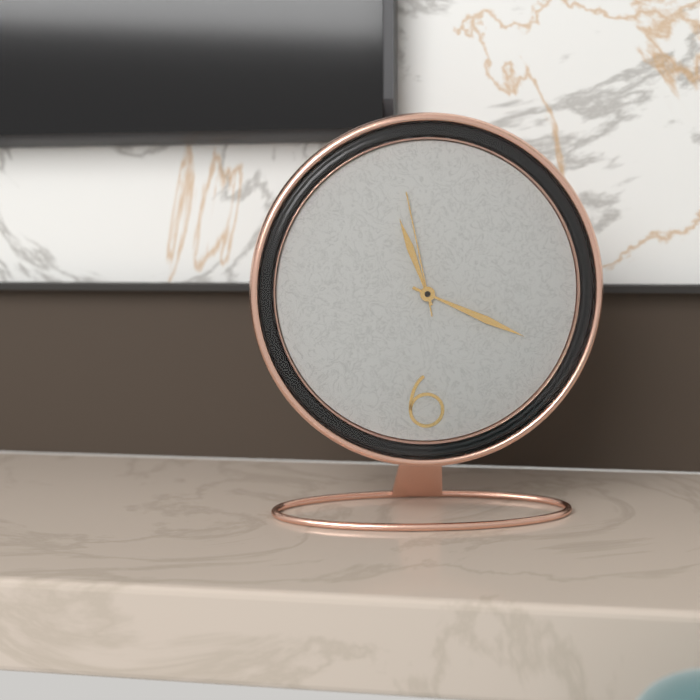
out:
11 h 19 min 58 s
